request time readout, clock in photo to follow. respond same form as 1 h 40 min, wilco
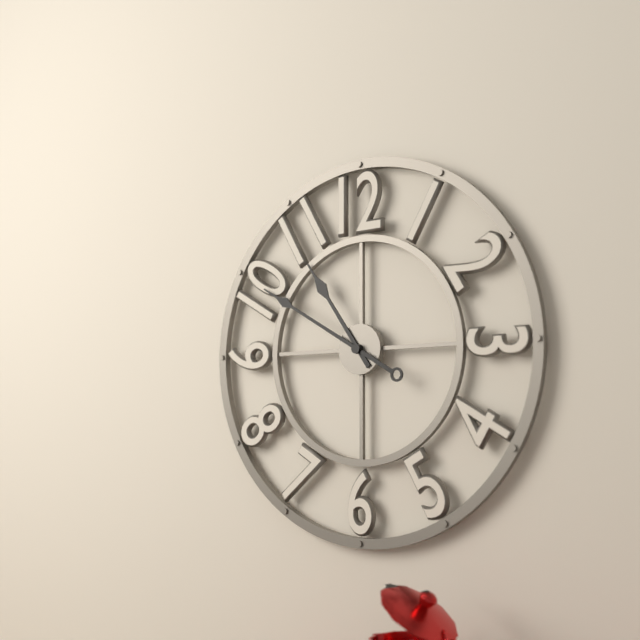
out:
10 h 50 min
